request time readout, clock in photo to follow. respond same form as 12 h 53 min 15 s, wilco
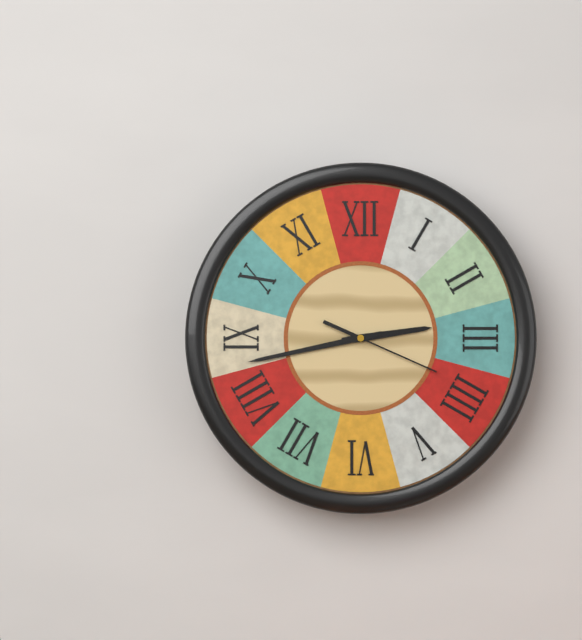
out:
2 h 43 min 19 s
